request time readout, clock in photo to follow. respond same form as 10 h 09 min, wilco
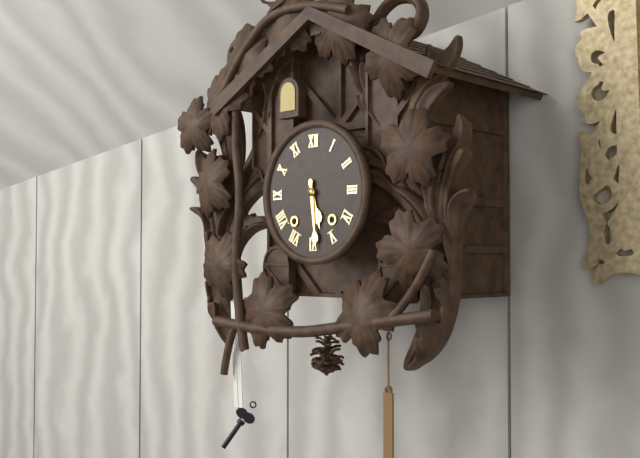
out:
5 h 29 min
